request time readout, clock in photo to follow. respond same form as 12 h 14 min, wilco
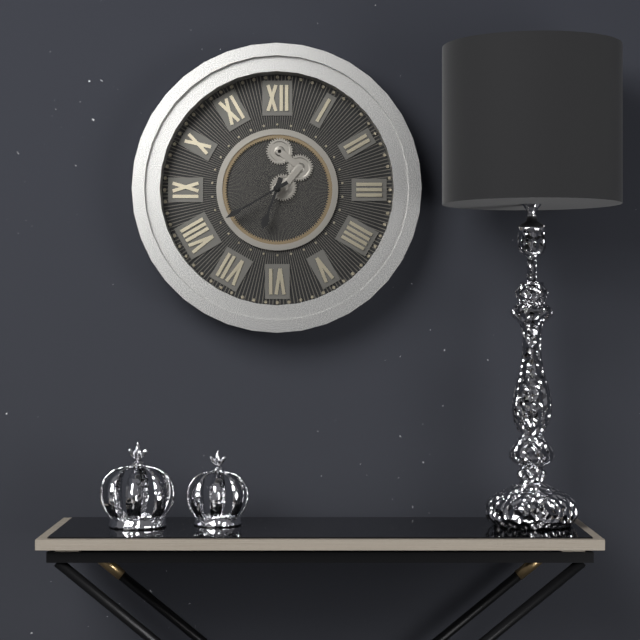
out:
6 h 40 min
